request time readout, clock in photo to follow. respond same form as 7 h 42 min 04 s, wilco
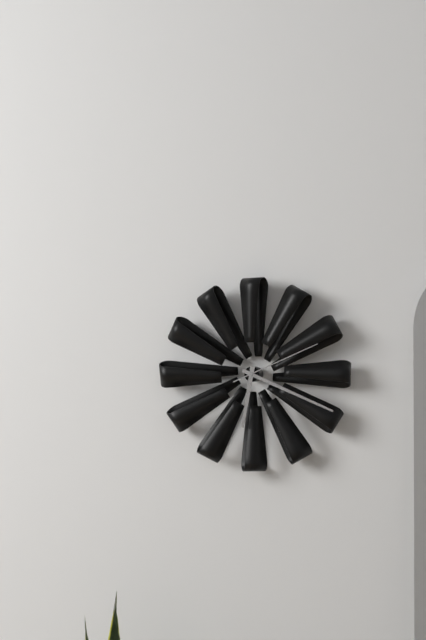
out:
6 h 19 min 11 s
